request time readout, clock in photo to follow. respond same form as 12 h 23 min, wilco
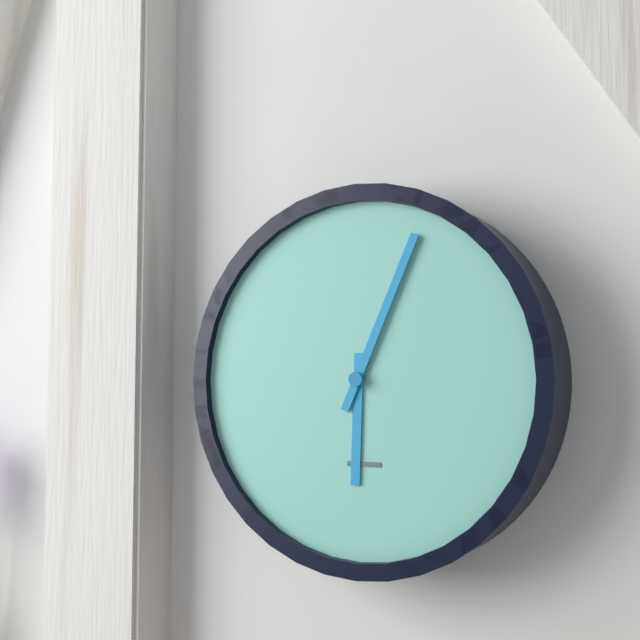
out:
6 h 04 min
